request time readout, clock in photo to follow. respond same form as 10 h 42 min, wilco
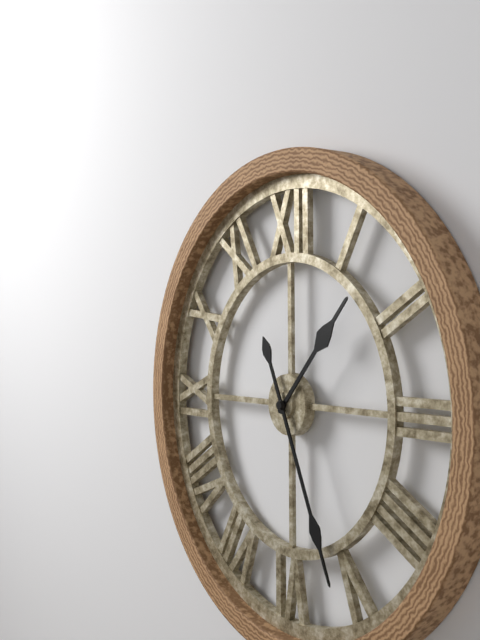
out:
1 h 26 min
